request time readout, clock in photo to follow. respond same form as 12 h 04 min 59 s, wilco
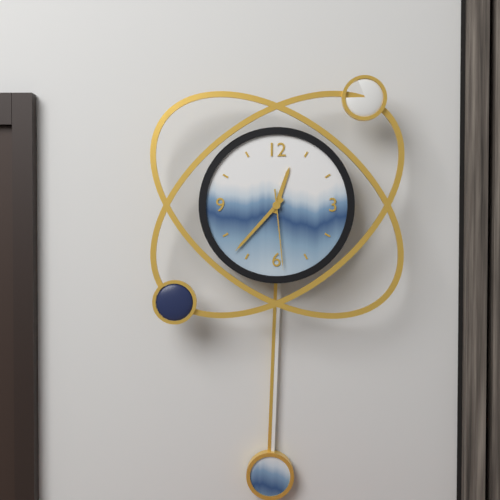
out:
12 h 37 min 29 s
